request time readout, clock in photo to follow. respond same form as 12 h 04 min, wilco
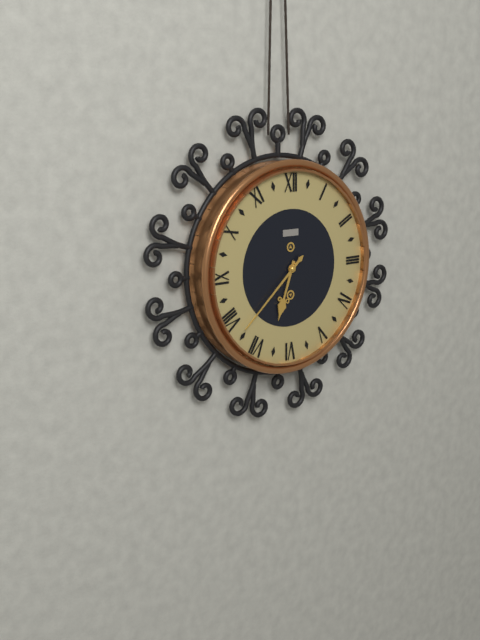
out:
6 h 38 min
